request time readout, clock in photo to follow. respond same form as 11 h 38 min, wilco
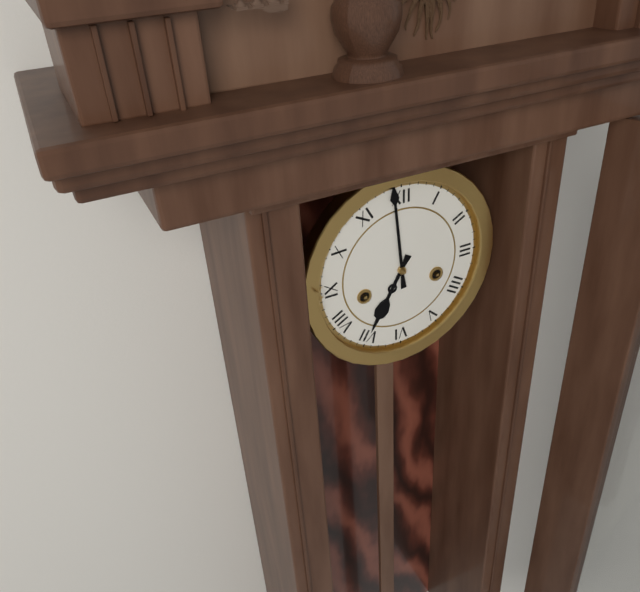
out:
6 h 59 min
